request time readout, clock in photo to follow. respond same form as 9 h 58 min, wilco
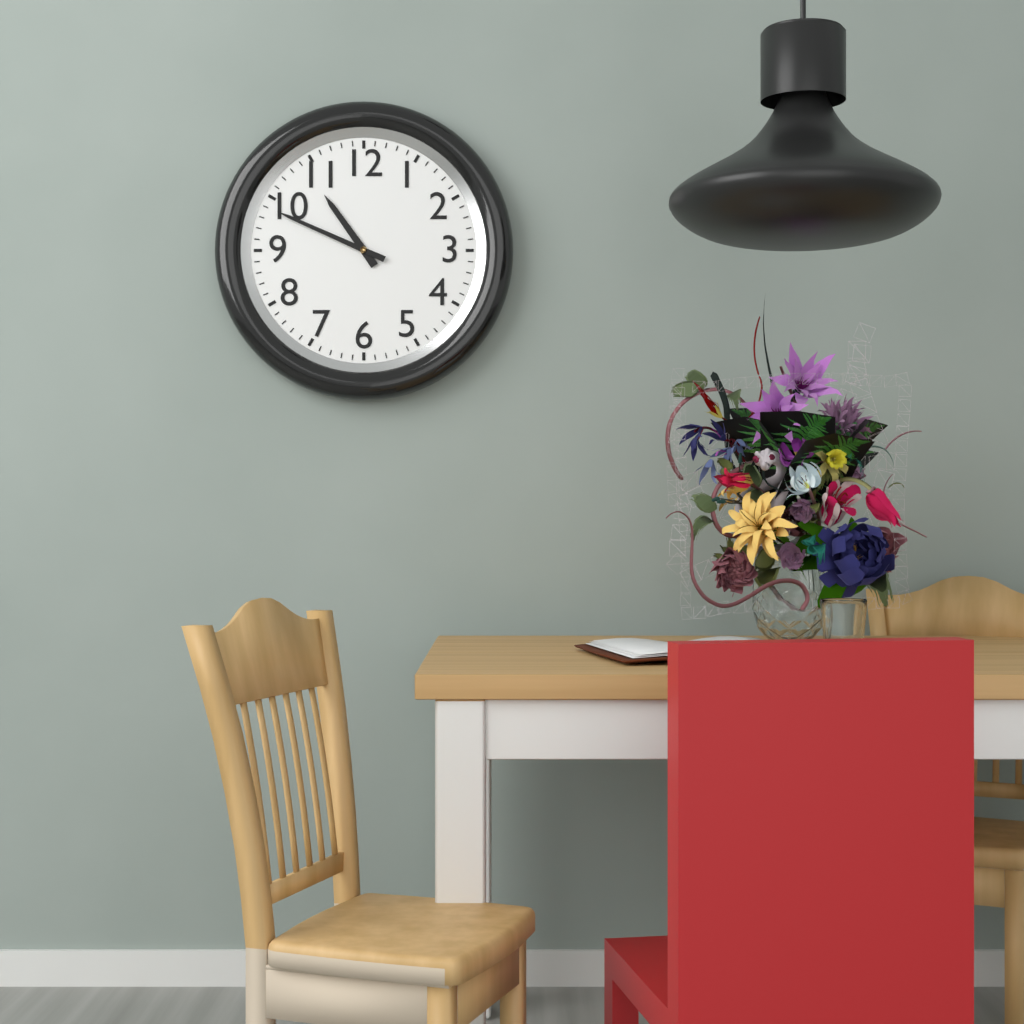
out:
10 h 49 min
